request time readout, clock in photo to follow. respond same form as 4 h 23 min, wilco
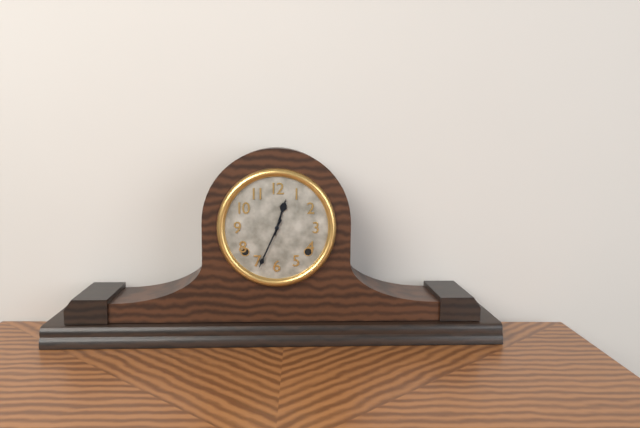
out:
12 h 34 min
